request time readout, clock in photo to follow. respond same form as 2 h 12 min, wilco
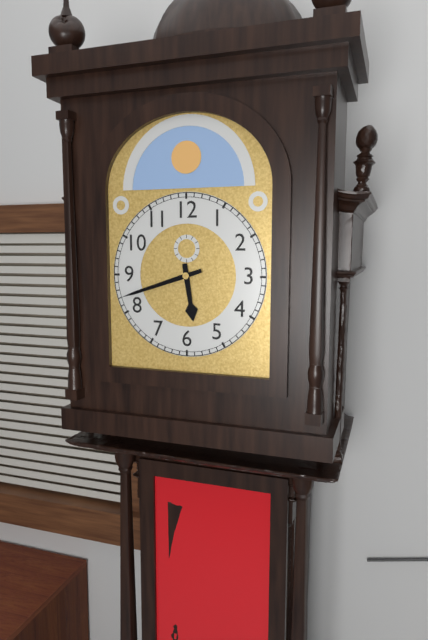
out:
5 h 42 min
